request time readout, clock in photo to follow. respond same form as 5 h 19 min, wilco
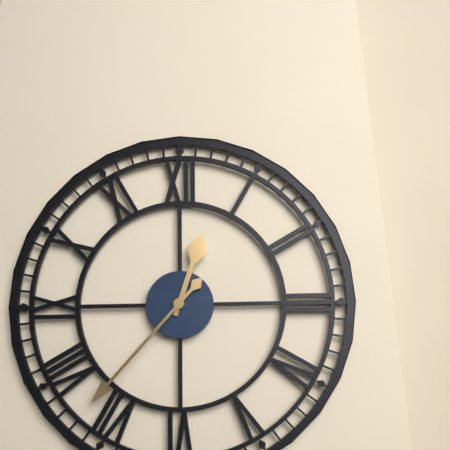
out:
12 h 37 min
